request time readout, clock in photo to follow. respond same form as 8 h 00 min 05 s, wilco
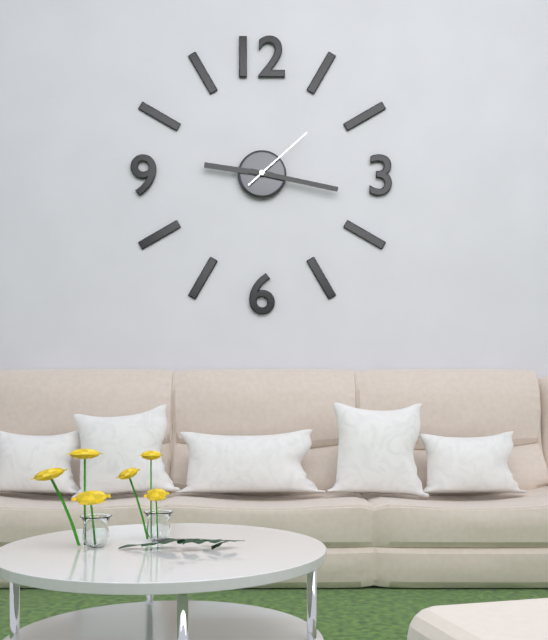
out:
9 h 17 min 08 s
